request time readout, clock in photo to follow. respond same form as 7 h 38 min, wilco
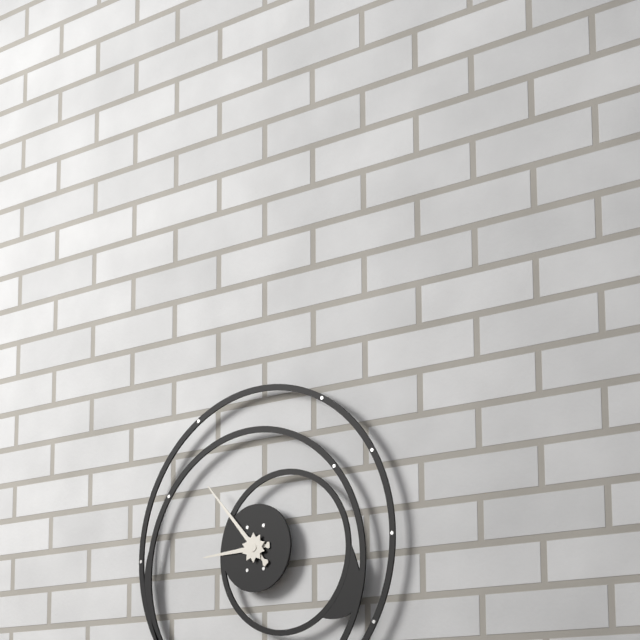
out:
8 h 53 min
